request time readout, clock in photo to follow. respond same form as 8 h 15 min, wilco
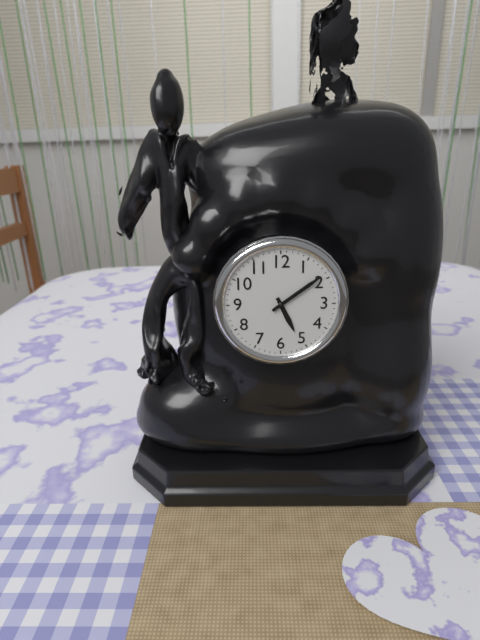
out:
5 h 09 min
